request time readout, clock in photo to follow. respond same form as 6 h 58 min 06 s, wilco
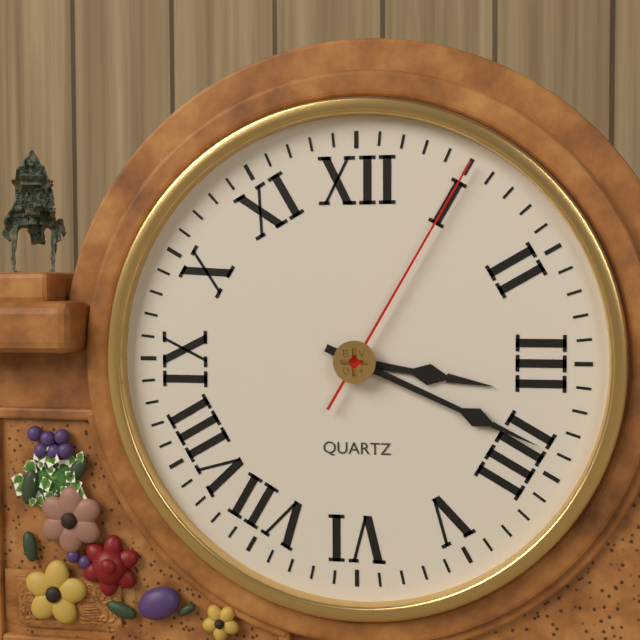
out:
3 h 19 min 05 s
